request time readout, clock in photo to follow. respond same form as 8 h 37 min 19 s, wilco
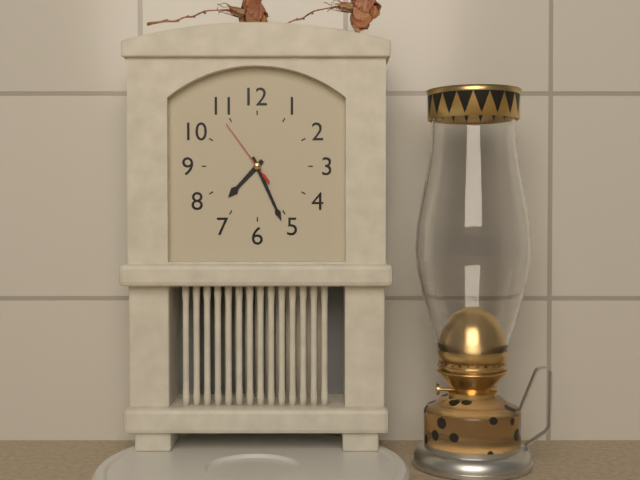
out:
7 h 26 min 54 s
